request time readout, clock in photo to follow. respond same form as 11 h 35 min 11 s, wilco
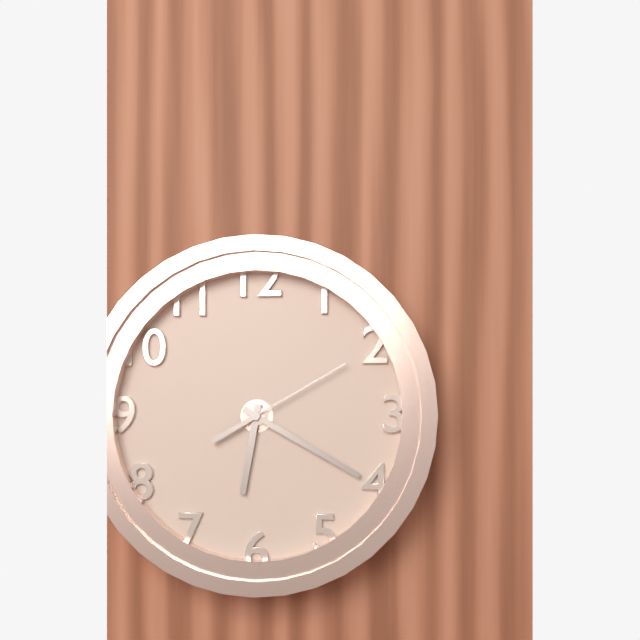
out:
6 h 20 min 10 s
